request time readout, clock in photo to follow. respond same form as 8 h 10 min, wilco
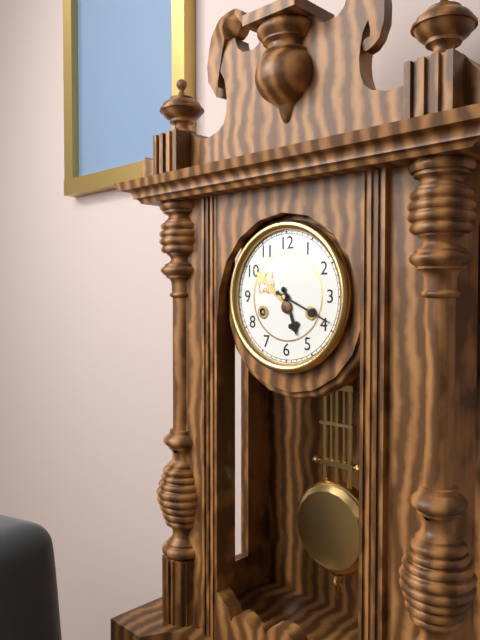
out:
5 h 19 min
